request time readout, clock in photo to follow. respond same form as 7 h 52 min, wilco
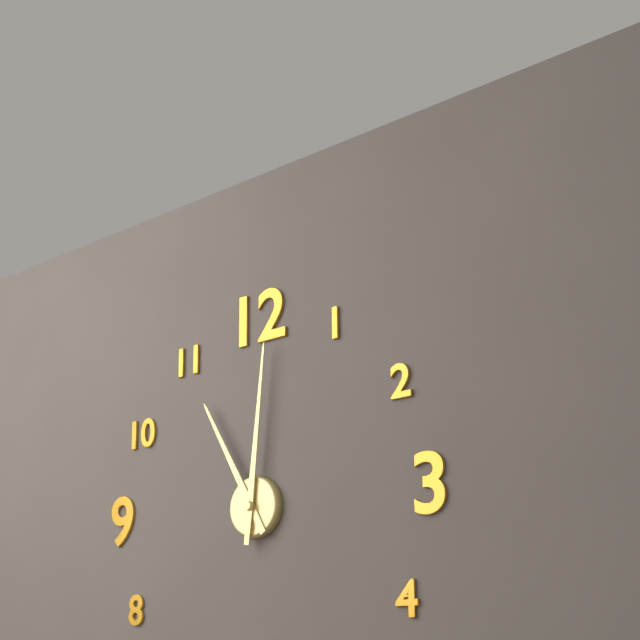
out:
11 h 01 min
